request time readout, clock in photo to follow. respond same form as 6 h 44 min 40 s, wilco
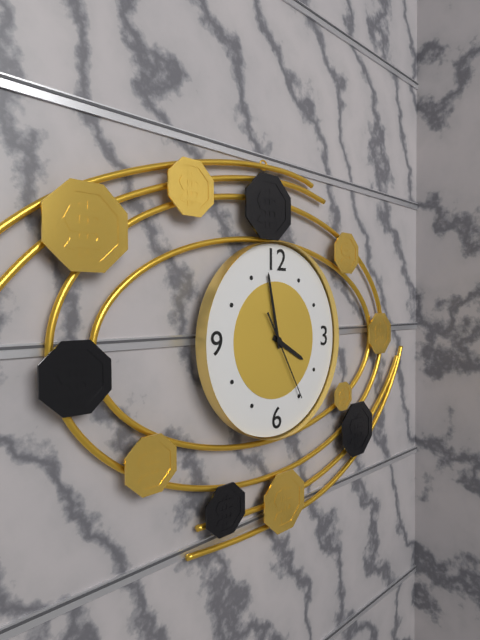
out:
3 h 58 min 25 s
